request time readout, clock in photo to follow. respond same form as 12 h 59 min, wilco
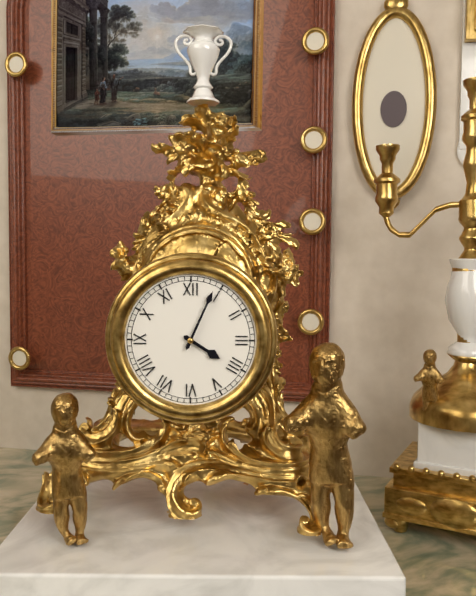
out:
4 h 04 min
